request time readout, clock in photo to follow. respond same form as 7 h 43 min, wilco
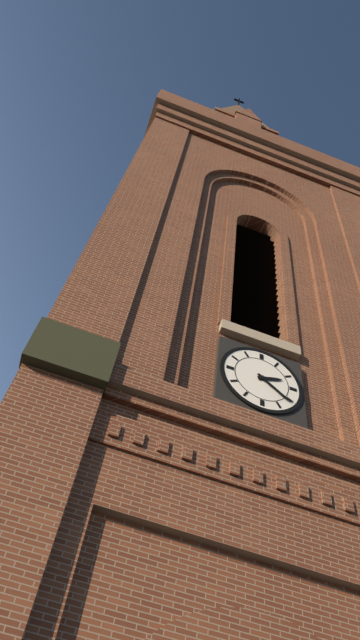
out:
2 h 21 min
